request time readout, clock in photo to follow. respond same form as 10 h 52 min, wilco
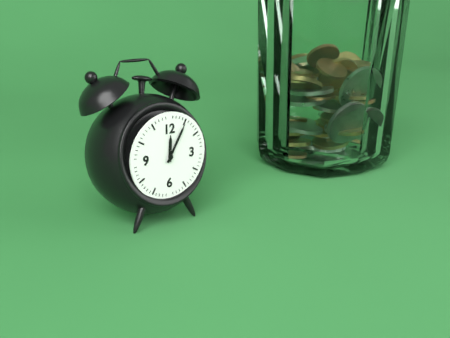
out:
12 h 05 min
